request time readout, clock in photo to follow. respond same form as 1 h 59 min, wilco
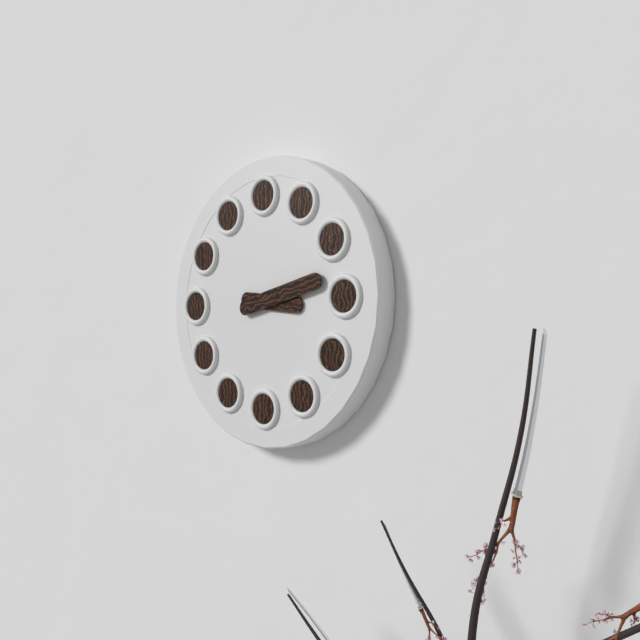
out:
3 h 13 min
